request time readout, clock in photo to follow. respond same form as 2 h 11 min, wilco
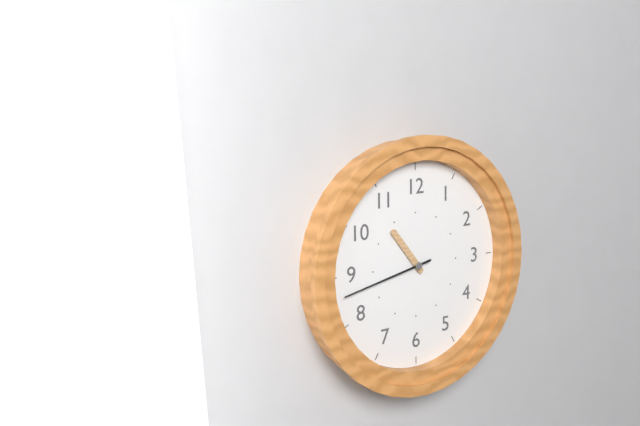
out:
10 h 43 min
